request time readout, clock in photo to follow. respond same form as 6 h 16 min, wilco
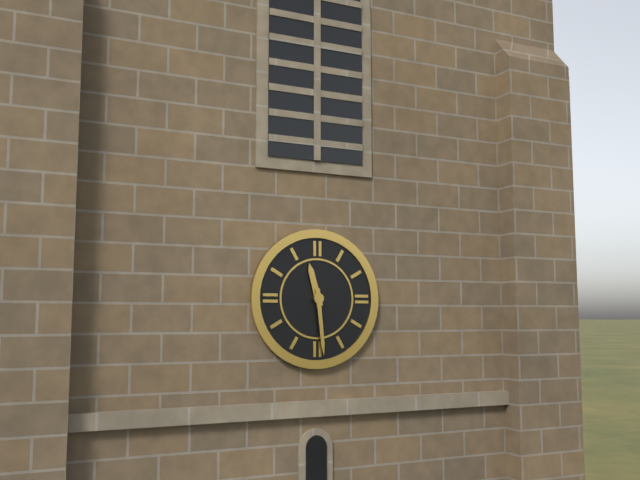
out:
11 h 29 min
